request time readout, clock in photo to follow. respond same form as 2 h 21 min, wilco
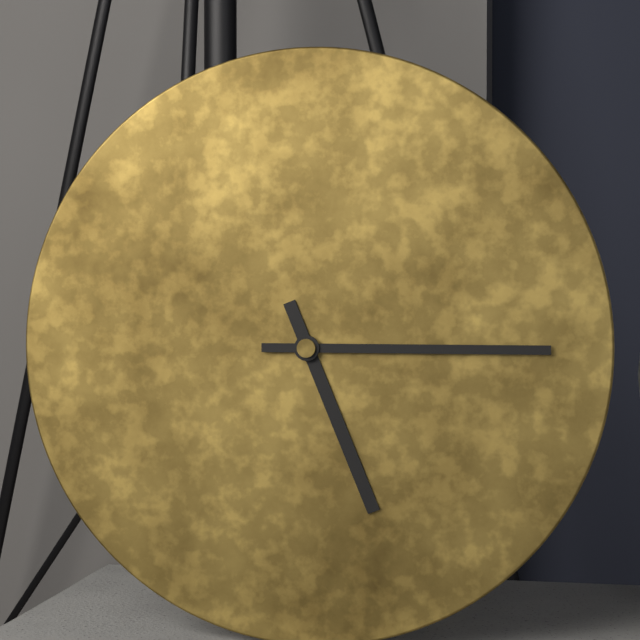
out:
5 h 15 min
